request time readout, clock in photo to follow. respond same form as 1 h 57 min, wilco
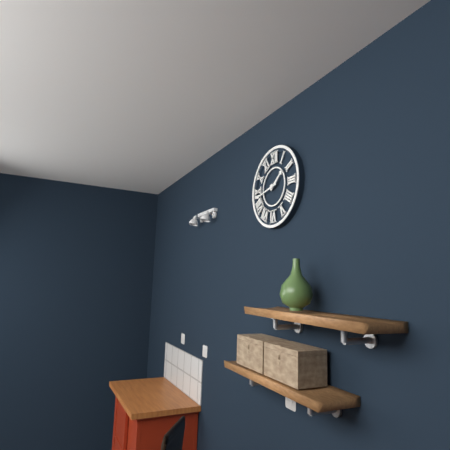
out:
1 h 43 min
